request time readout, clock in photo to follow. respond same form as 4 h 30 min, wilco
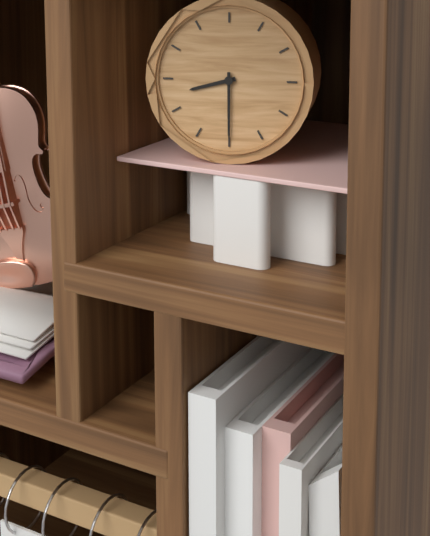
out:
8 h 30 min
